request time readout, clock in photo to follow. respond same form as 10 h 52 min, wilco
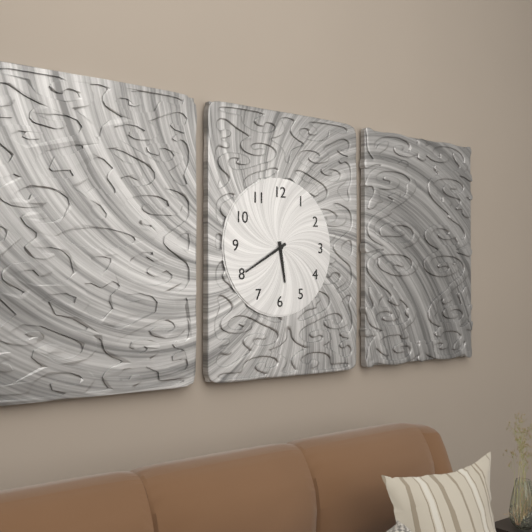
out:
5 h 40 min
